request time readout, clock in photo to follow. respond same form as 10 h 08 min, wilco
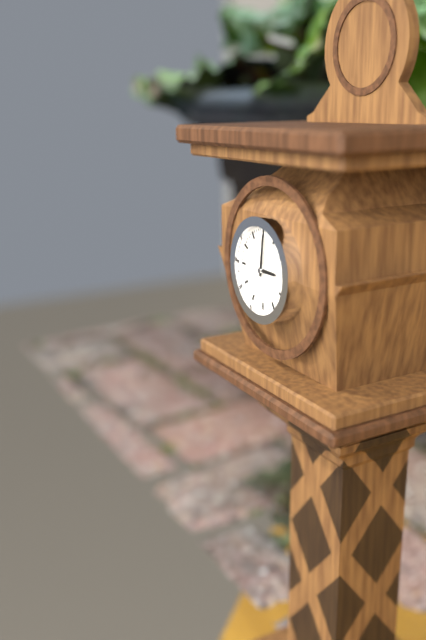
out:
3 h 01 min
